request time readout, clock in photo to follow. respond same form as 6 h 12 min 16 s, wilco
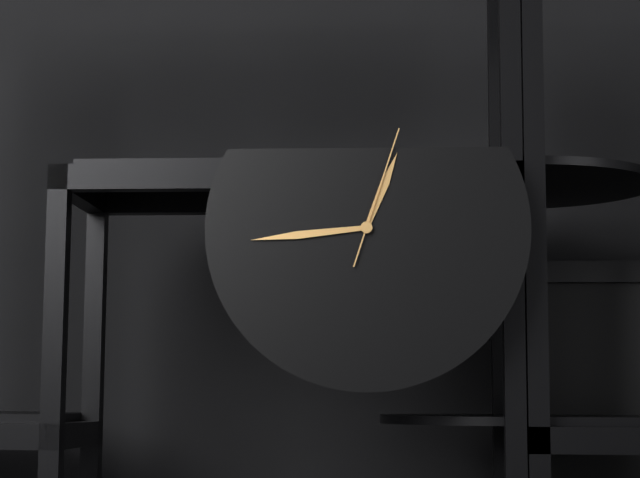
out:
12 h 44 min 03 s
